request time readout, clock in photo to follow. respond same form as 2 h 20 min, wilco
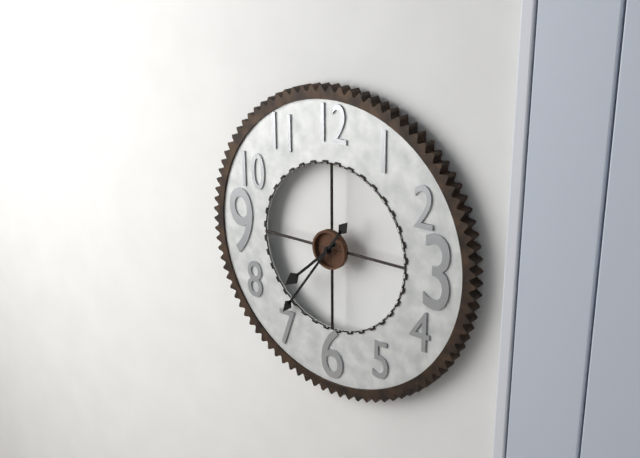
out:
7 h 36 min
